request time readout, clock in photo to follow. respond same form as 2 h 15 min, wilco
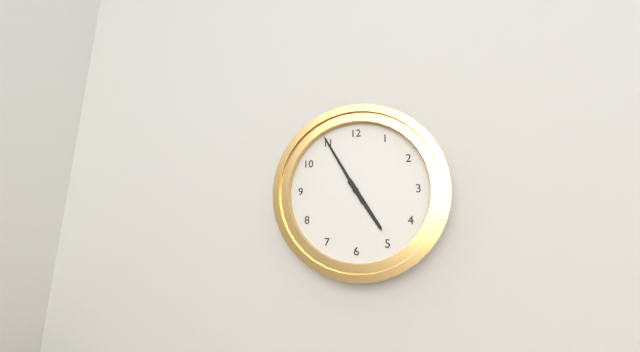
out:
4 h 55 min
